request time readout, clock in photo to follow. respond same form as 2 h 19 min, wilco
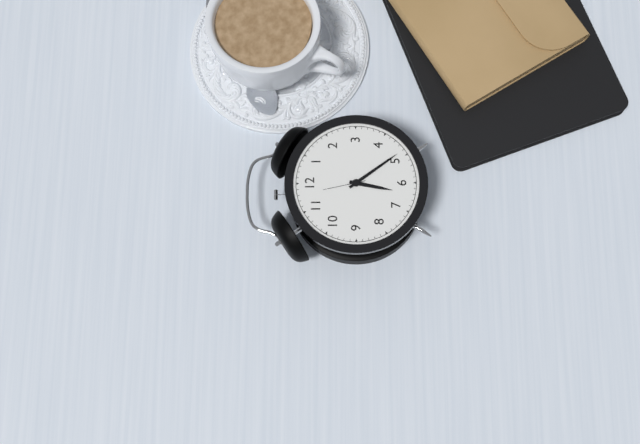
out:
6 h 24 min
